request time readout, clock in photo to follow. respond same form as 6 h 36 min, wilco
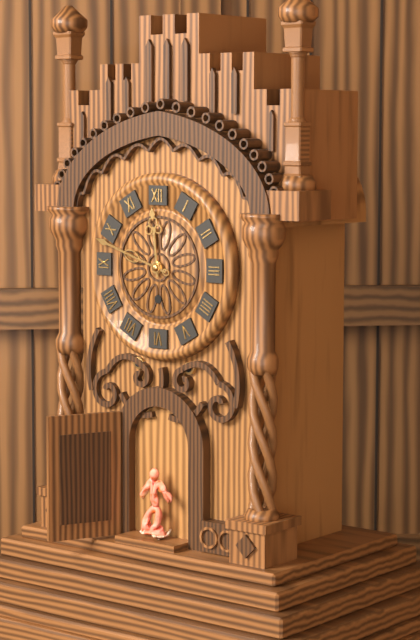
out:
11 h 48 min
